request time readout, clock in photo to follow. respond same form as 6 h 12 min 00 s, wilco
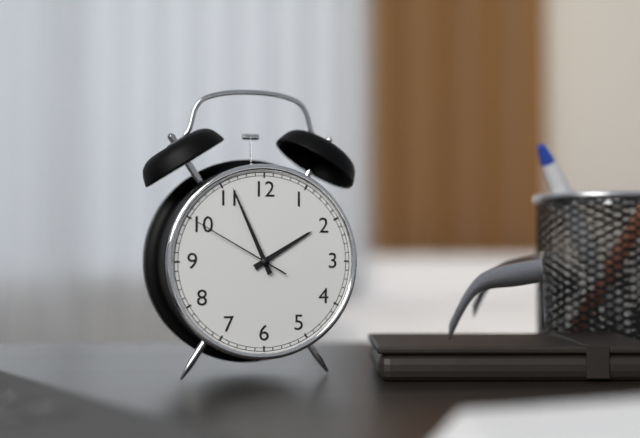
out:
1 h 56 min 50 s
